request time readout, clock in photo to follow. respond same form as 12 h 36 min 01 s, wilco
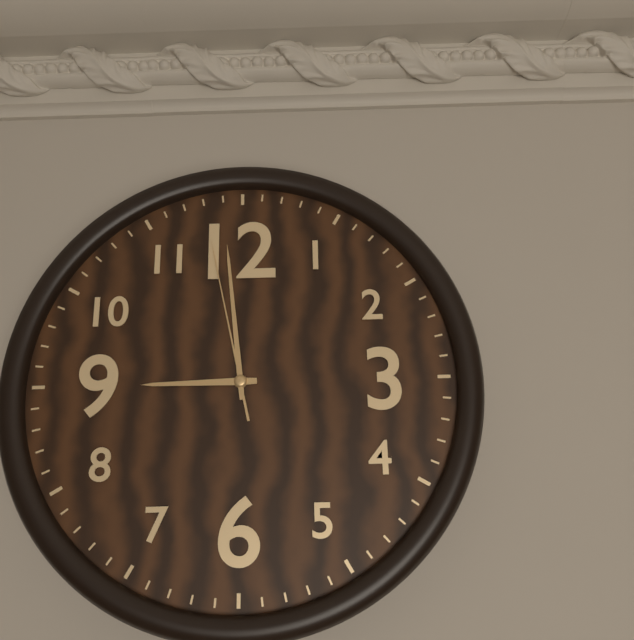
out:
8 h 59 min 58 s
